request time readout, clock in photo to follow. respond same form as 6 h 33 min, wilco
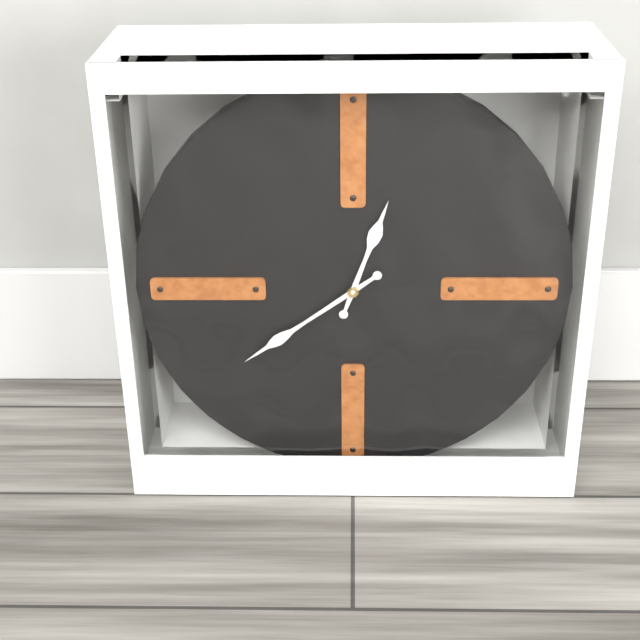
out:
12 h 39 min
